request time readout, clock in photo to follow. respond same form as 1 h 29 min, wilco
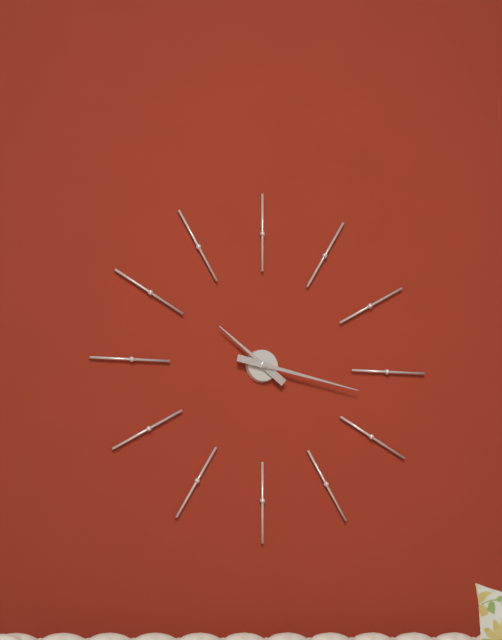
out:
10 h 17 min
